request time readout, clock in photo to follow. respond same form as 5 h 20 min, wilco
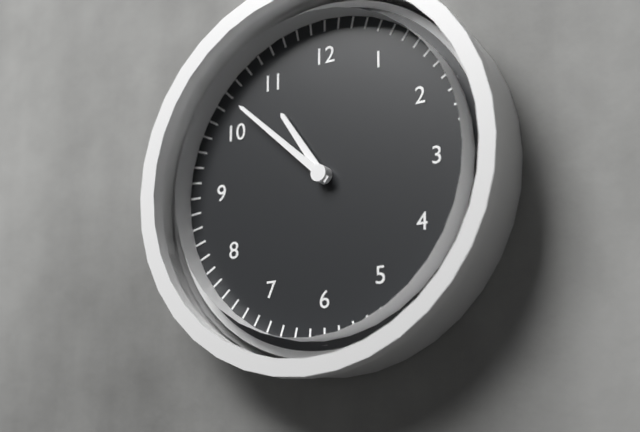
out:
10 h 52 min
